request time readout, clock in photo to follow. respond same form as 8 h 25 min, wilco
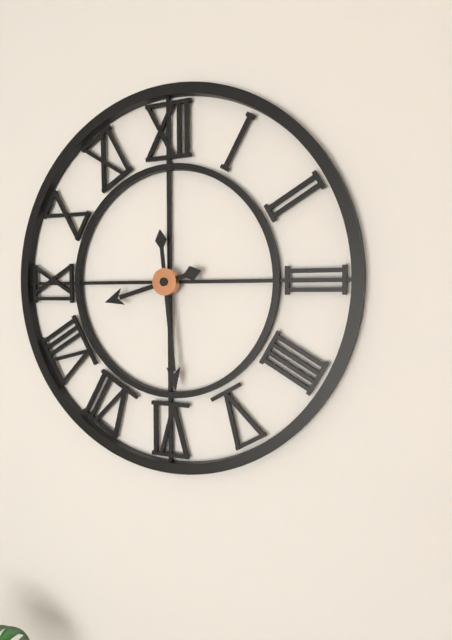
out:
8 h 29 min
